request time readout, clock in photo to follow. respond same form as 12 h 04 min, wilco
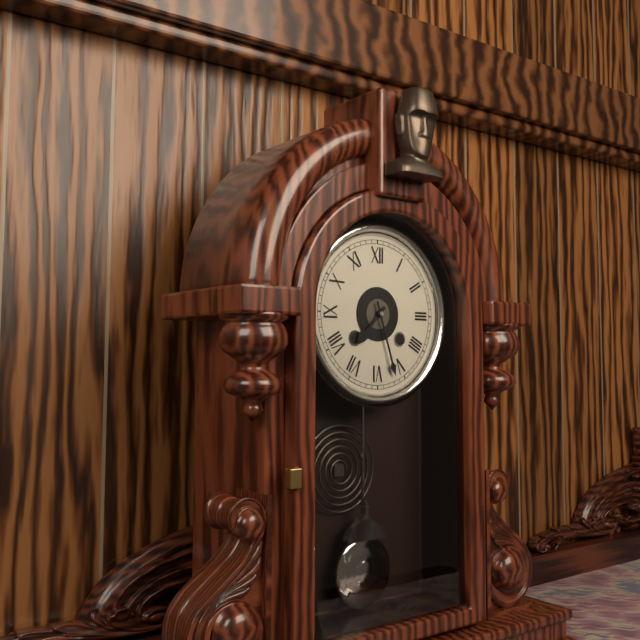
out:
7 h 27 min
